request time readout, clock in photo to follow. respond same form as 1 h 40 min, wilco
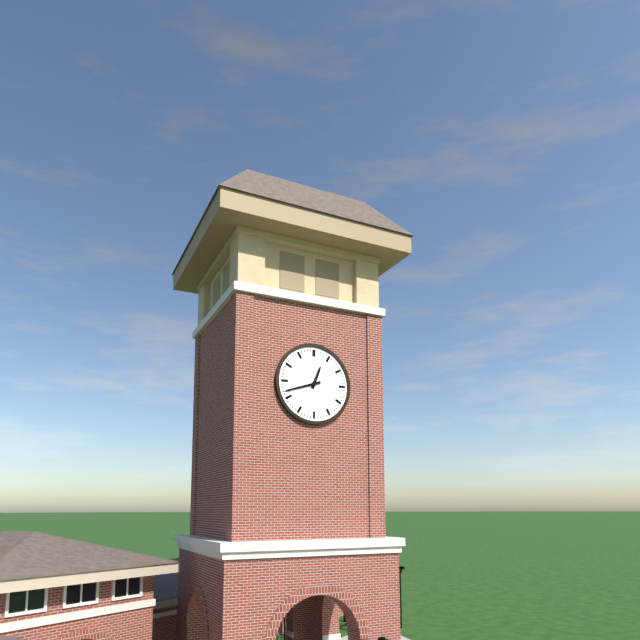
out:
12 h 42 min
